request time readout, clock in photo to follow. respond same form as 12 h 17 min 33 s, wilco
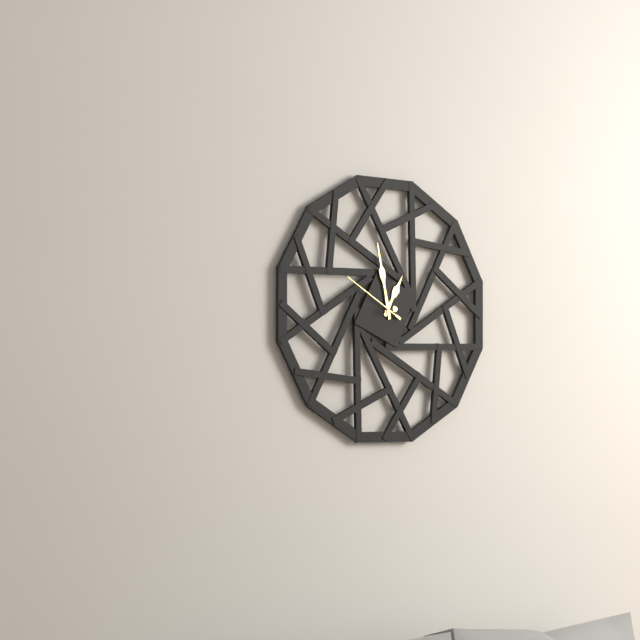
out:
12 h 58 min 50 s
